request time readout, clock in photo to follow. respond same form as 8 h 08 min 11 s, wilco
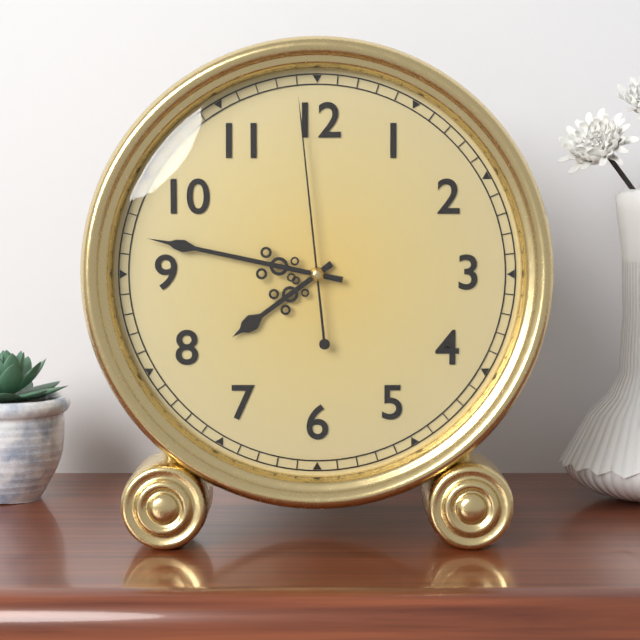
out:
7 h 47 min 59 s
